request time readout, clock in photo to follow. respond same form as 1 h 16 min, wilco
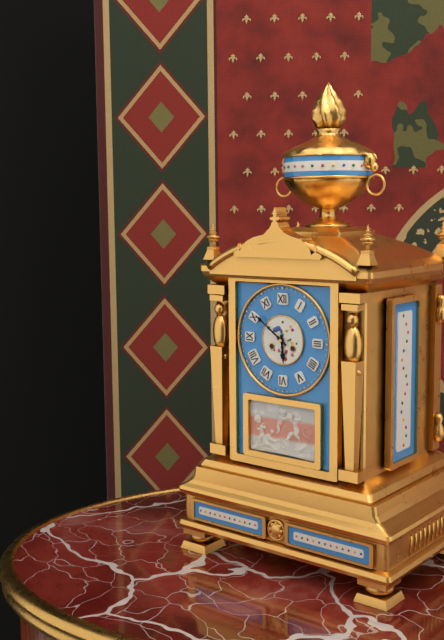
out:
5 h 51 min
